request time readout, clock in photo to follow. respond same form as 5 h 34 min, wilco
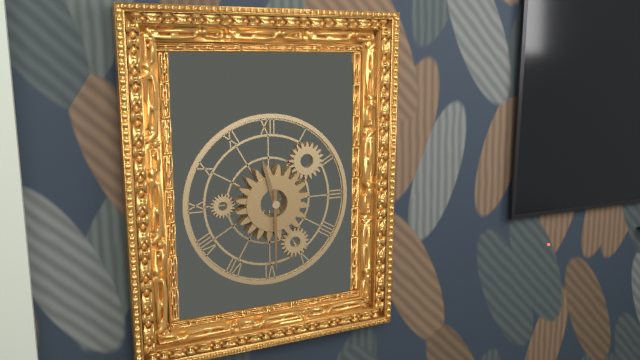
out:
11 h 30 min
